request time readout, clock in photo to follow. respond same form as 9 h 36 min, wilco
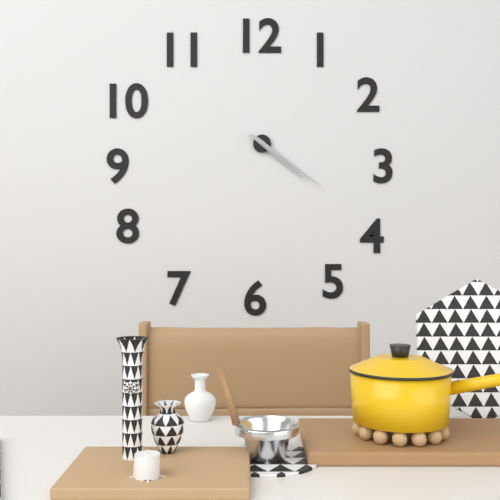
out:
4 h 21 min
